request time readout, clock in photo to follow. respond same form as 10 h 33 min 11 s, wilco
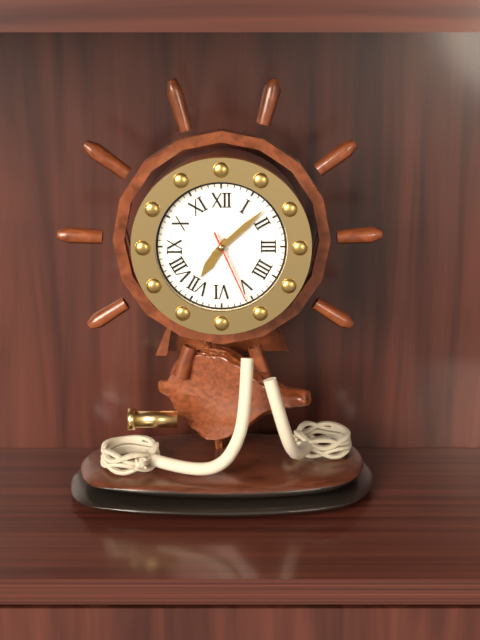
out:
7 h 08 min 26 s
